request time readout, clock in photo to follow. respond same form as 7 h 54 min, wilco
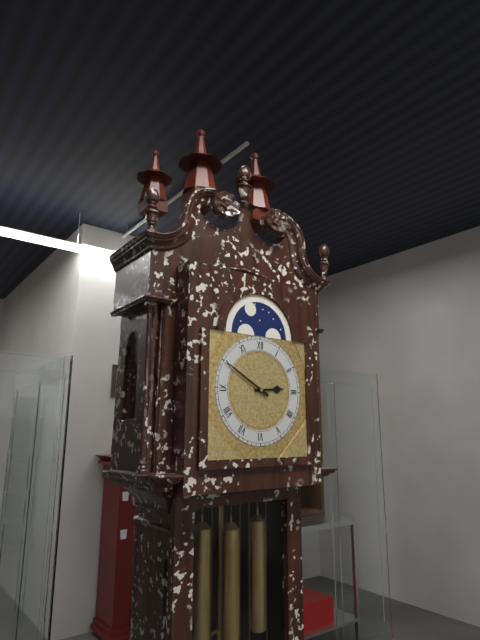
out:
2 h 50 min
